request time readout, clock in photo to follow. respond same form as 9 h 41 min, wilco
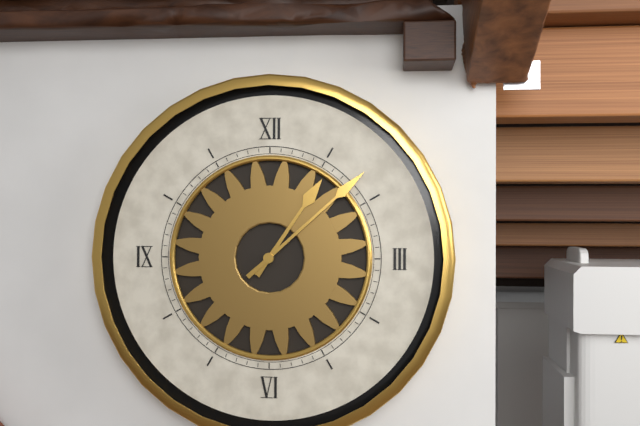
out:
1 h 08 min
